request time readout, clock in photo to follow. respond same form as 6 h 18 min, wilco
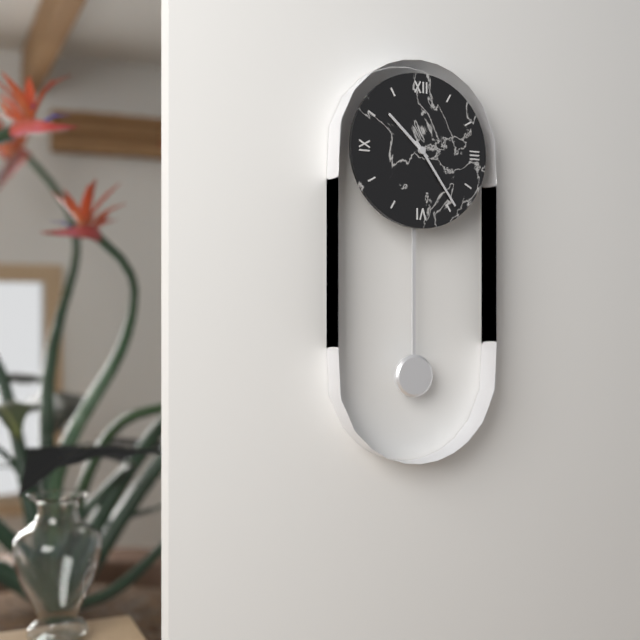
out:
10 h 24 min
